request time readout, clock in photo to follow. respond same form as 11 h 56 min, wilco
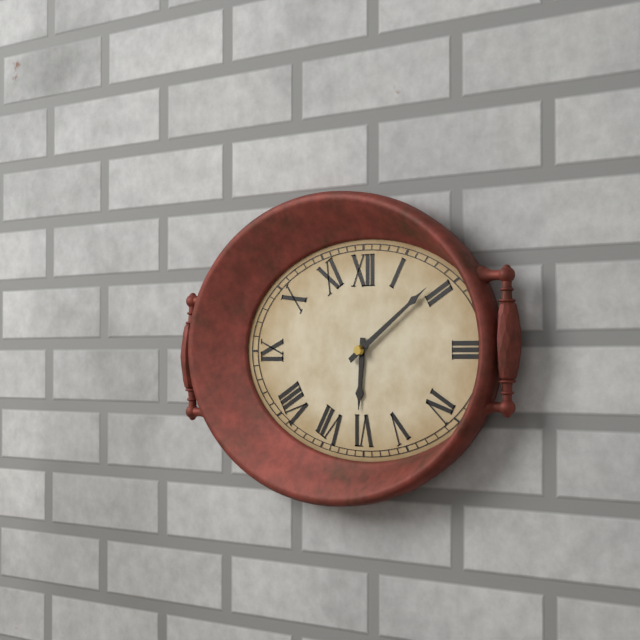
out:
6 h 09 min
